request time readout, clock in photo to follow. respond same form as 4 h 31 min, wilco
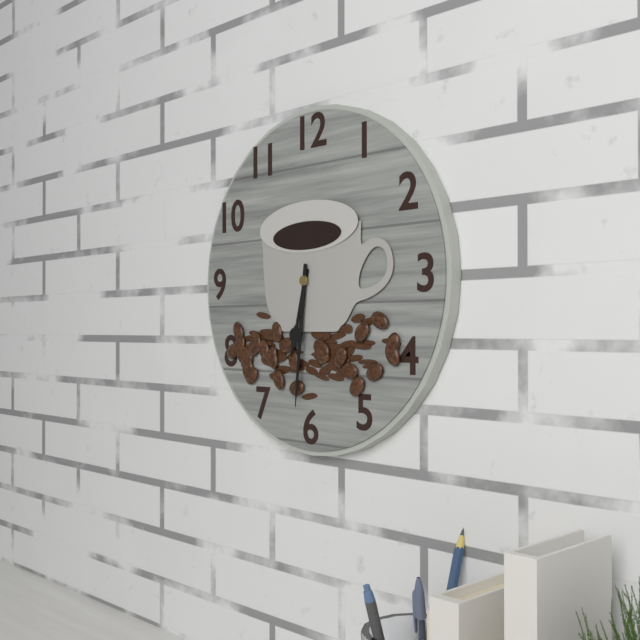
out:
6 h 31 min
